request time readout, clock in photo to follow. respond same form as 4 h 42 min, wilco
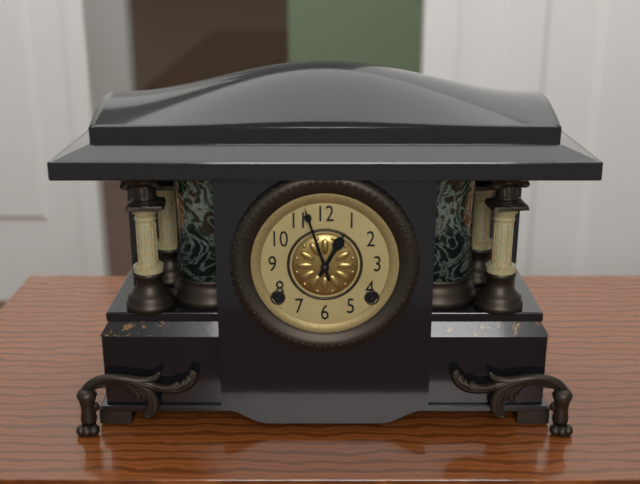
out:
12 h 57 min
